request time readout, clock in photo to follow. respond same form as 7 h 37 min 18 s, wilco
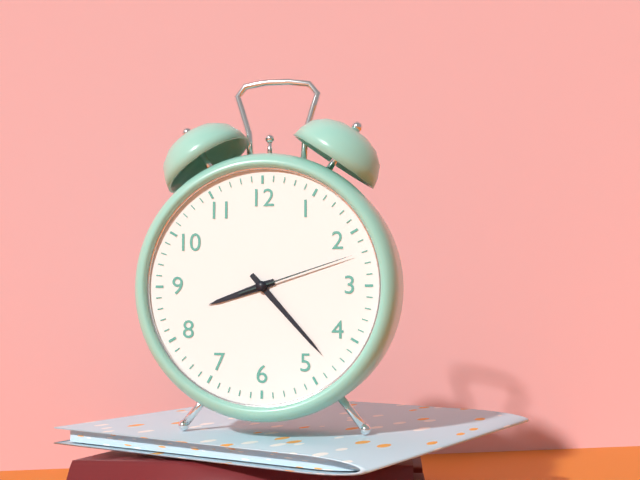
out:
8 h 23 min 12 s
